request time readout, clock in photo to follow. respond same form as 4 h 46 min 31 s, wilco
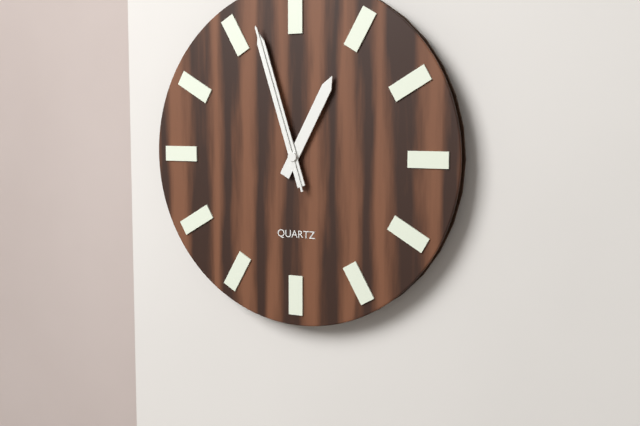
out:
12 h 57 min 57 s
